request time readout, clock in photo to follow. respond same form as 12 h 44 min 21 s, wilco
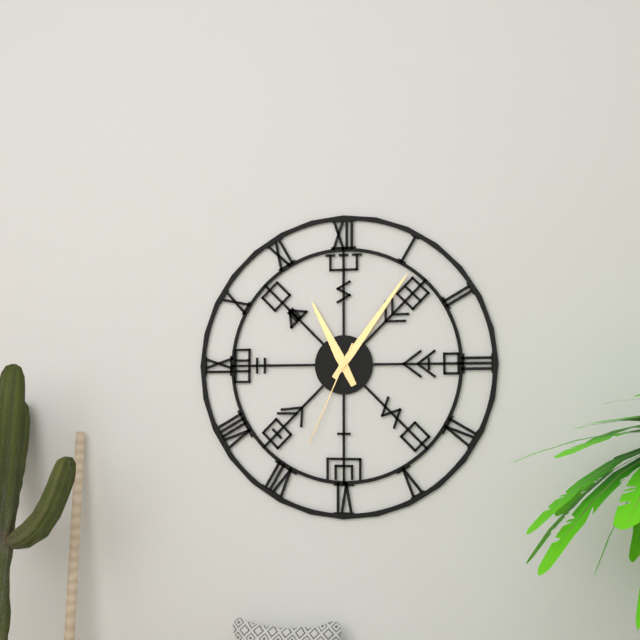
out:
11 h 06 min 34 s
